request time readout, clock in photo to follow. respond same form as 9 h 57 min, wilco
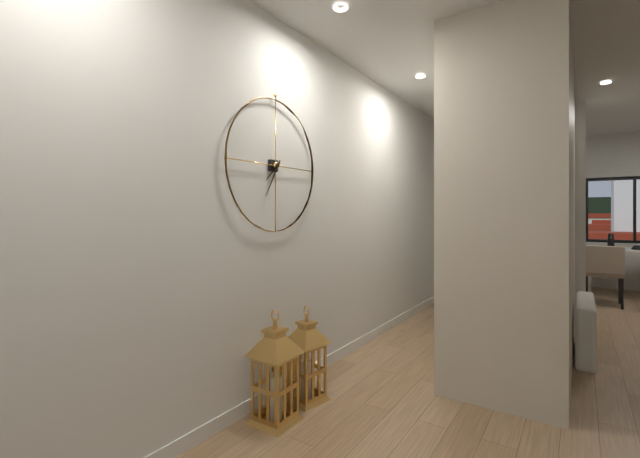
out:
7 h 35 min
